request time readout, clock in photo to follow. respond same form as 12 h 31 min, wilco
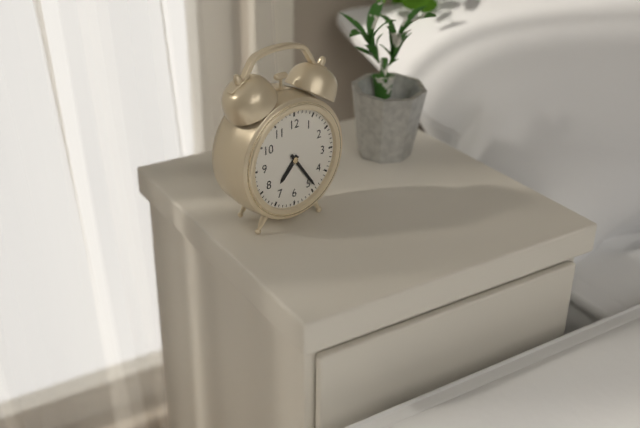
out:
7 h 24 min
